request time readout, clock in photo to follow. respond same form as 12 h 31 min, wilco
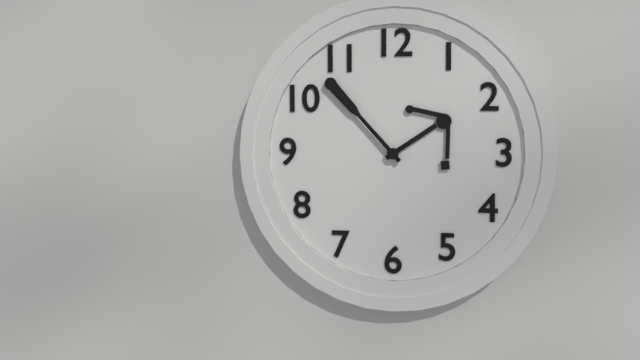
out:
1 h 53 min
